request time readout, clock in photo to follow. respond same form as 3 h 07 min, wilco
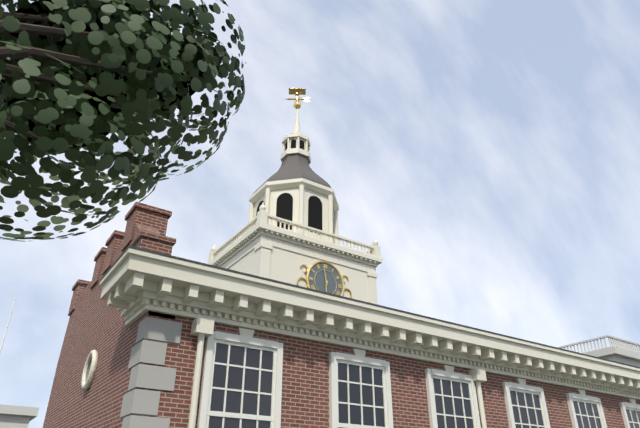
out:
5 h 58 min
